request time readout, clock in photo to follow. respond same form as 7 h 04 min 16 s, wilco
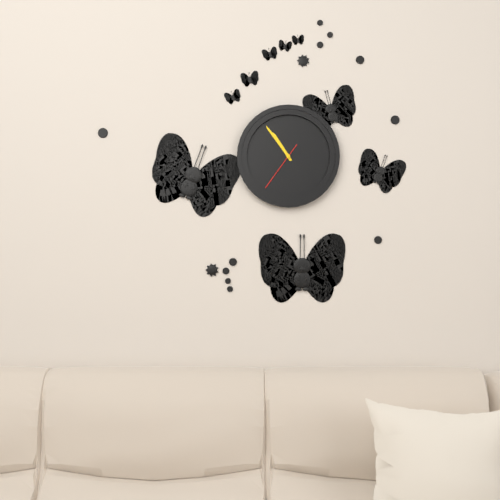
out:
10 h 54 min 36 s
